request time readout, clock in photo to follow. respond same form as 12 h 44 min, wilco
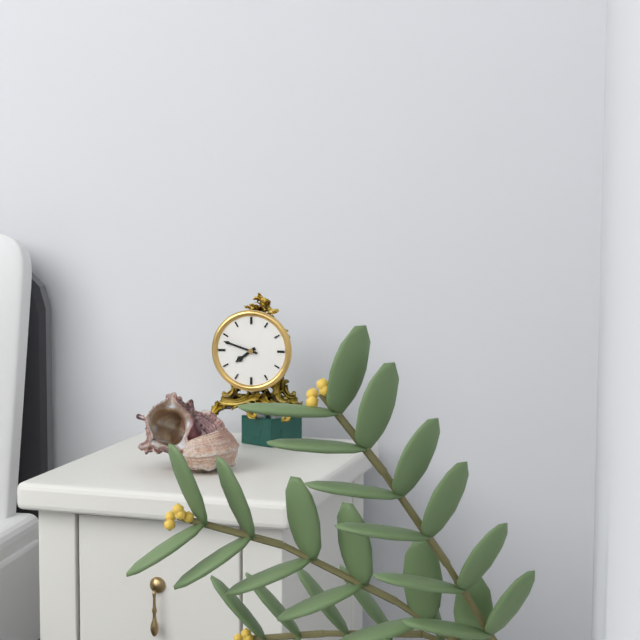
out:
7 h 48 min
